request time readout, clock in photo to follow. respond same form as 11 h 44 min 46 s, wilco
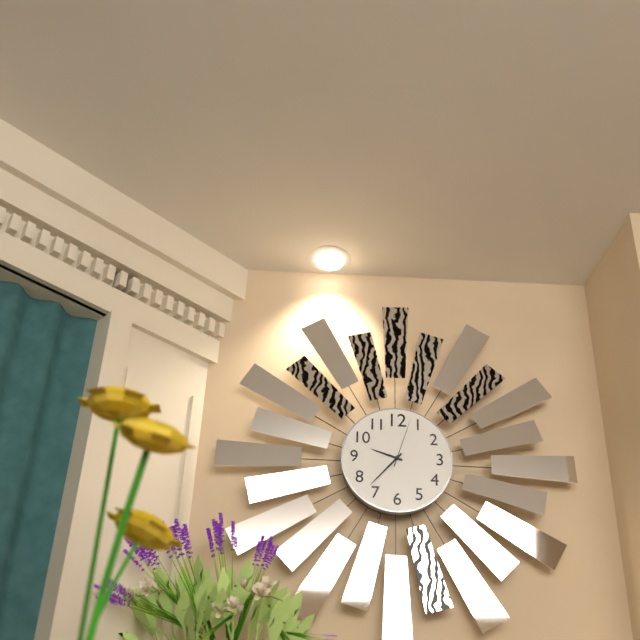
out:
9 h 37 min 03 s
